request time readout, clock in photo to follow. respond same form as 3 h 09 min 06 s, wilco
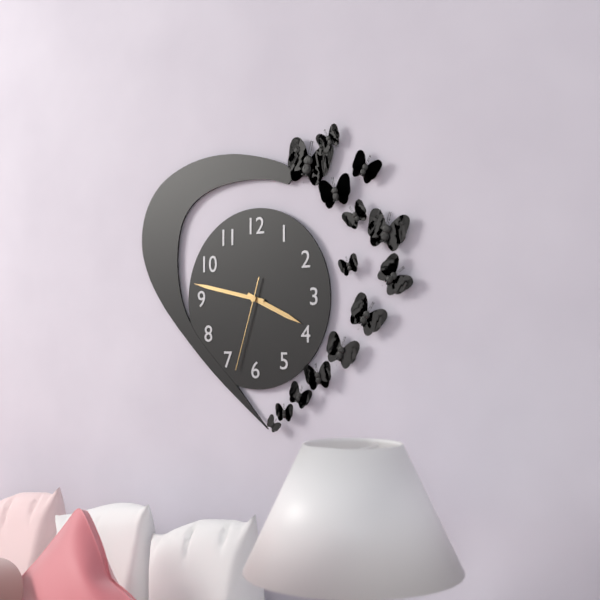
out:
3 h 47 min 33 s
